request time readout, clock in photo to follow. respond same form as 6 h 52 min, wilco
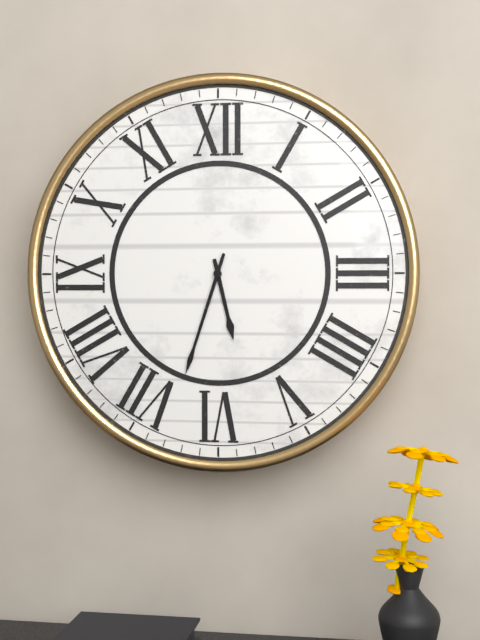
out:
5 h 33 min
